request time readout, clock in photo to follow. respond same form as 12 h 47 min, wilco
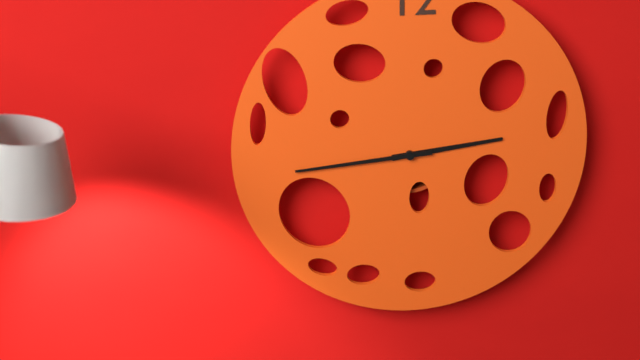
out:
2 h 44 min
